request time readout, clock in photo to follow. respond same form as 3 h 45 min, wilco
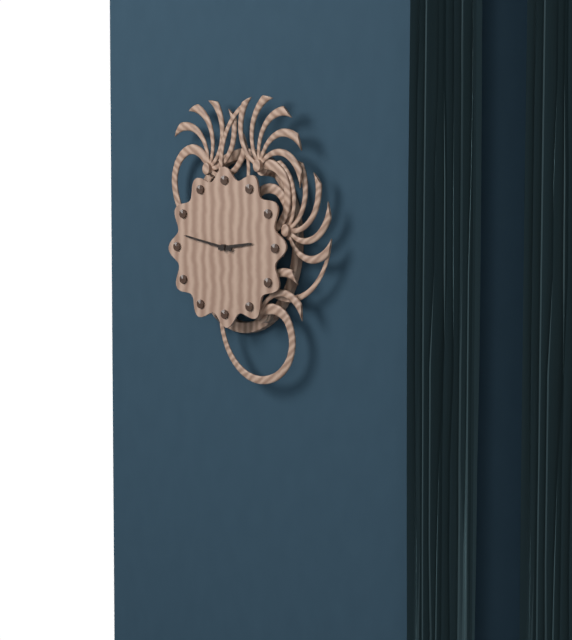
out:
2 h 47 min
